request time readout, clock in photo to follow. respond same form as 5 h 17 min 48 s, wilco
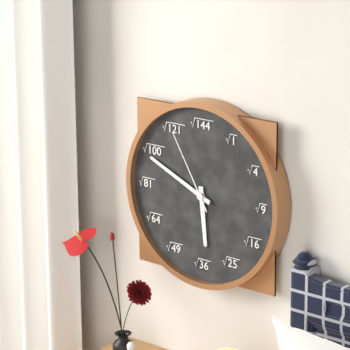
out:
5 h 49 min 55 s
